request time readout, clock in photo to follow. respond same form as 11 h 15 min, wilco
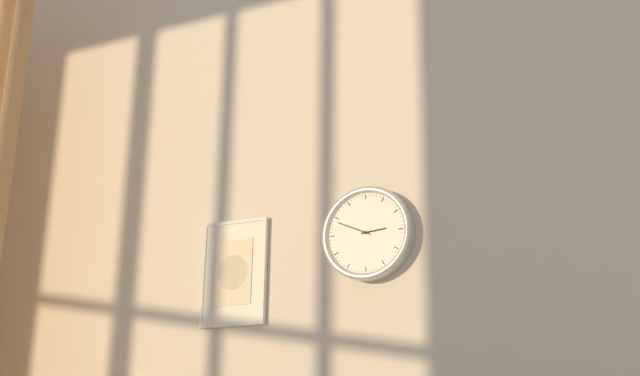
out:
2 h 49 min
